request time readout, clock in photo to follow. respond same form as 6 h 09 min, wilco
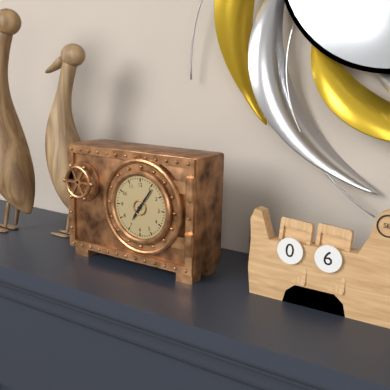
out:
7 h 06 min
